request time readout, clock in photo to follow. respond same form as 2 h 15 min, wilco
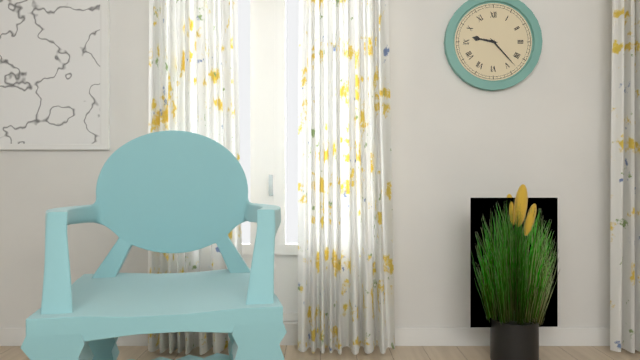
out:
9 h 23 min
